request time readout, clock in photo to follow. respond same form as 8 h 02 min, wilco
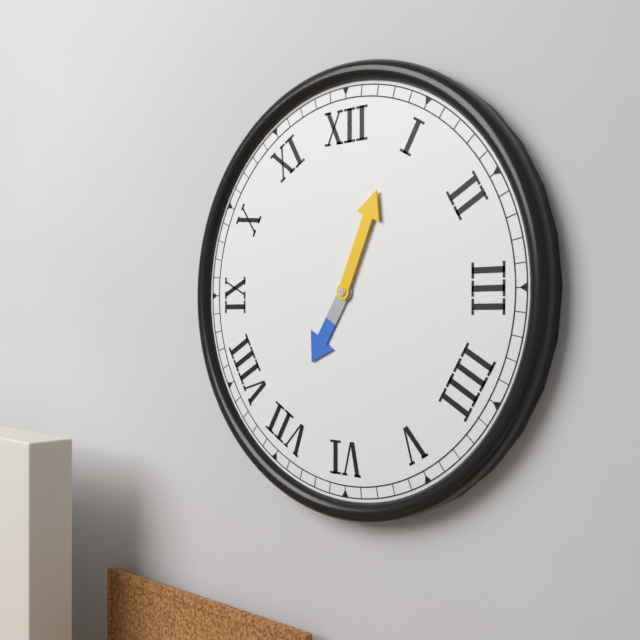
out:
7 h 04 min
